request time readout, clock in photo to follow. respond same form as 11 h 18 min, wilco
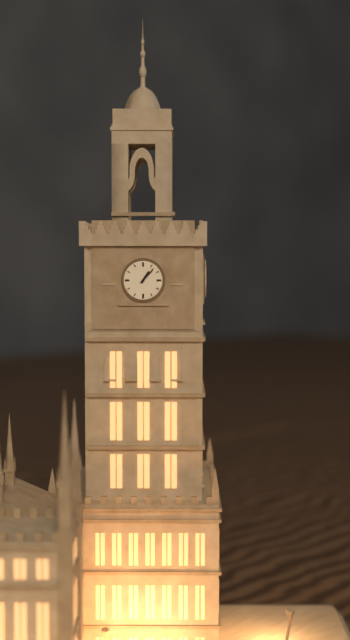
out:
1 h 07 min
